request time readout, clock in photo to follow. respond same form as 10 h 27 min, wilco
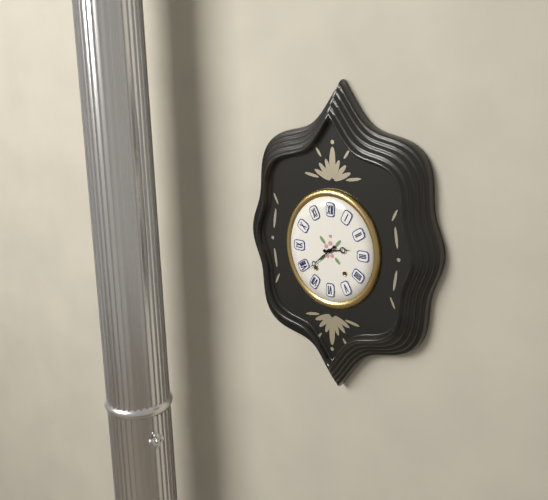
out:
2 h 38 min
